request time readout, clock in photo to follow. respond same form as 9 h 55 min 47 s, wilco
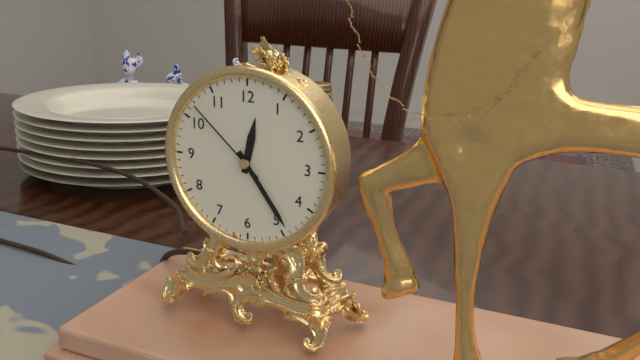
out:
12 h 24 min 52 s
